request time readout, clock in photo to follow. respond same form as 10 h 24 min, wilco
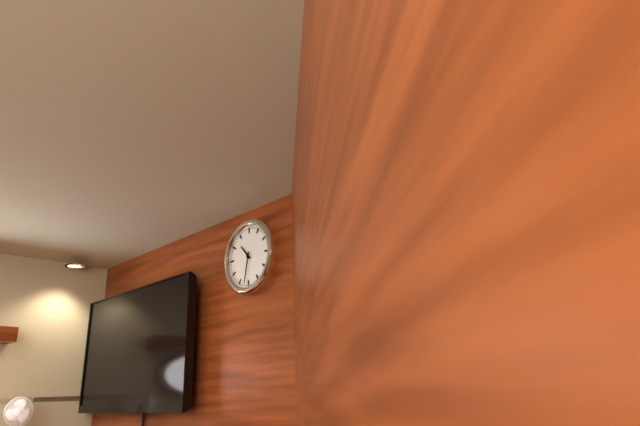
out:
10 h 32 min
